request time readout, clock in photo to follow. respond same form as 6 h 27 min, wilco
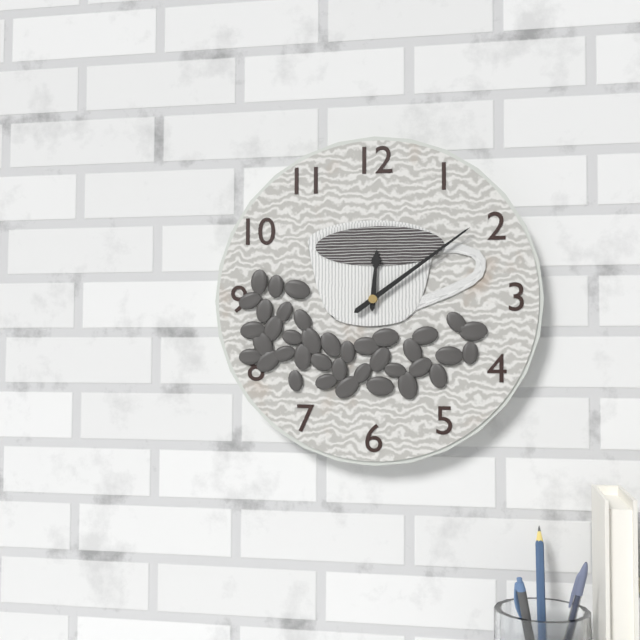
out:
12 h 09 min
